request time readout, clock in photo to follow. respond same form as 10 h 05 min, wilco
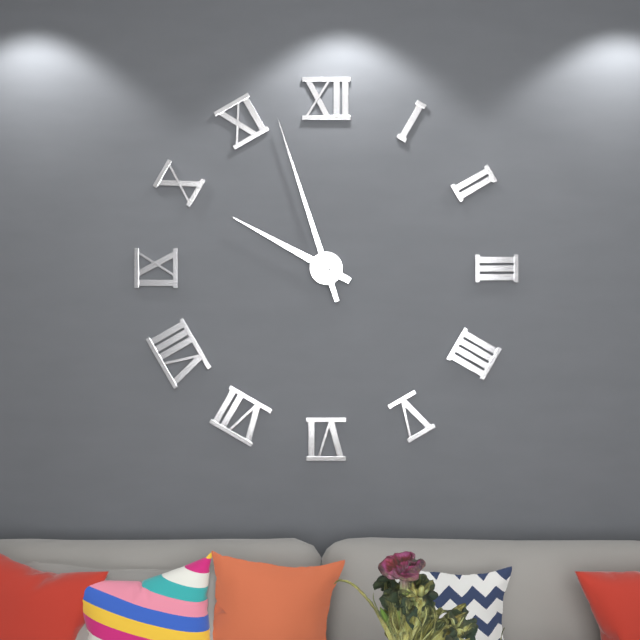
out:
9 h 57 min
